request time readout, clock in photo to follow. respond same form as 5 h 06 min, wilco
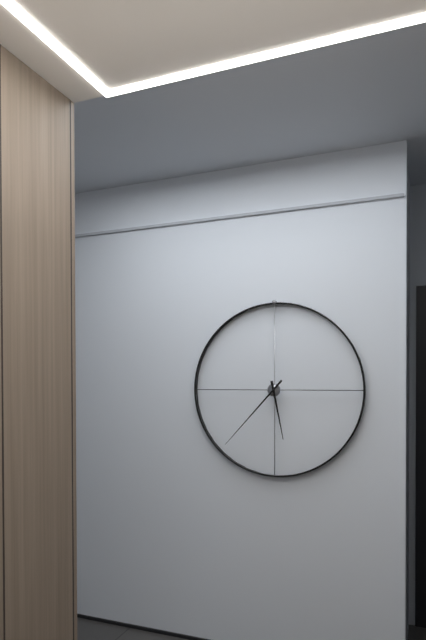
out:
5 h 37 min
